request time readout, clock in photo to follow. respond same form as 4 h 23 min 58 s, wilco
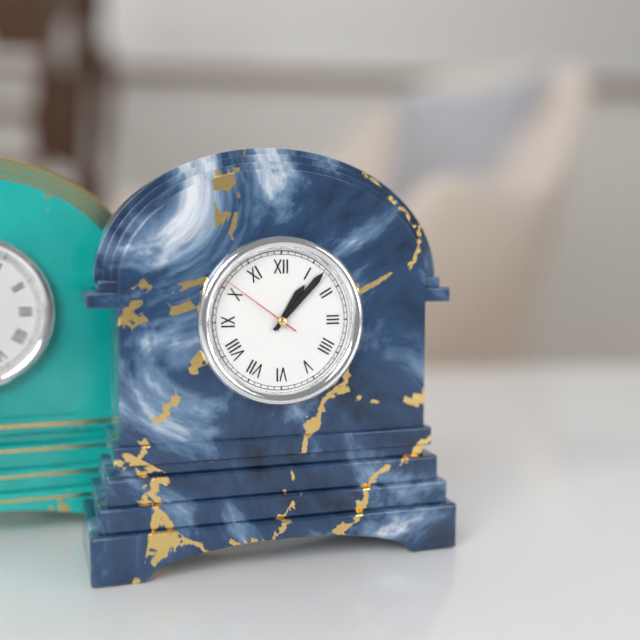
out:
1 h 07 min 51 s
